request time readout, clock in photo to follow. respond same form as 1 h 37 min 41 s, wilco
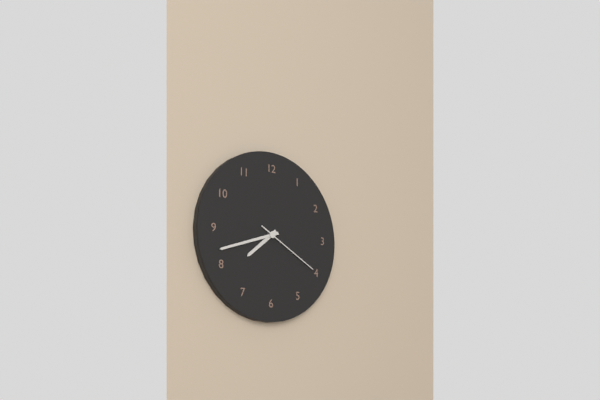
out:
7 h 42 min 20 s
